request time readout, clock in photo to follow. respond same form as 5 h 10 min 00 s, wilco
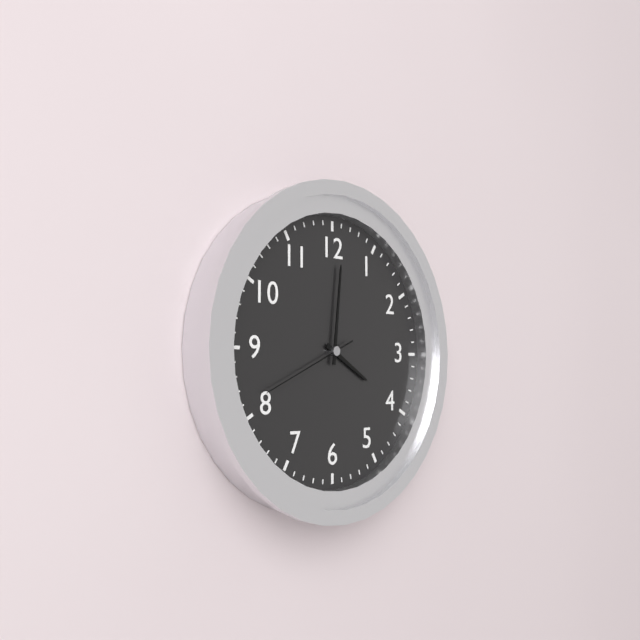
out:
4 h 01 min 41 s
